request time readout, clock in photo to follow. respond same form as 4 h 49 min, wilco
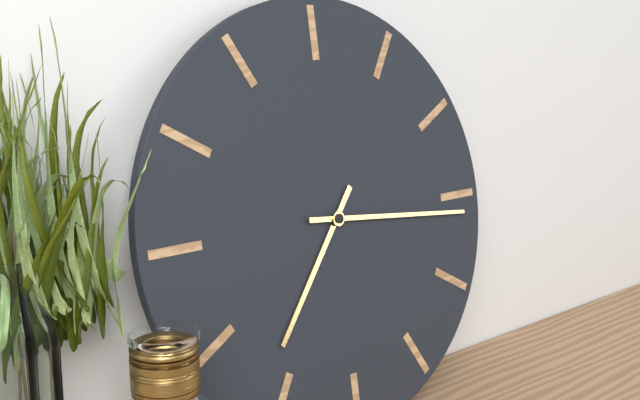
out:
7 h 16 min
